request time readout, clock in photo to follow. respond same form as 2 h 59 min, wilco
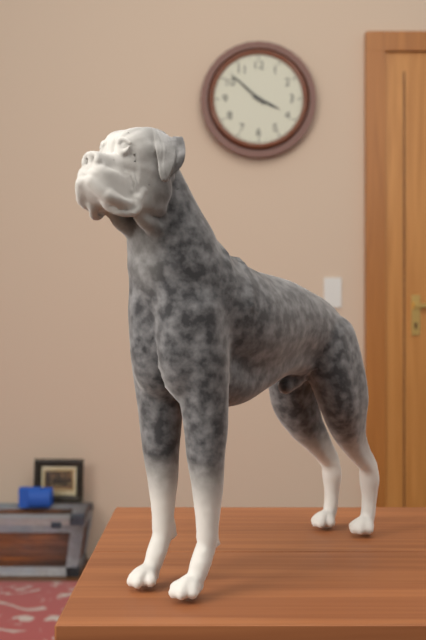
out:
3 h 52 min
